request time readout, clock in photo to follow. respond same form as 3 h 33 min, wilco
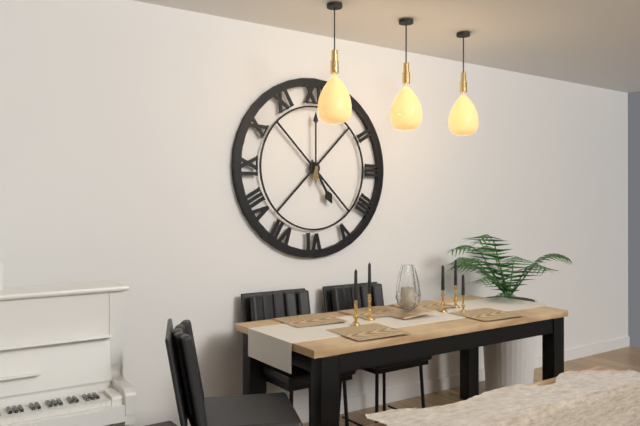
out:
5 h 00 min
